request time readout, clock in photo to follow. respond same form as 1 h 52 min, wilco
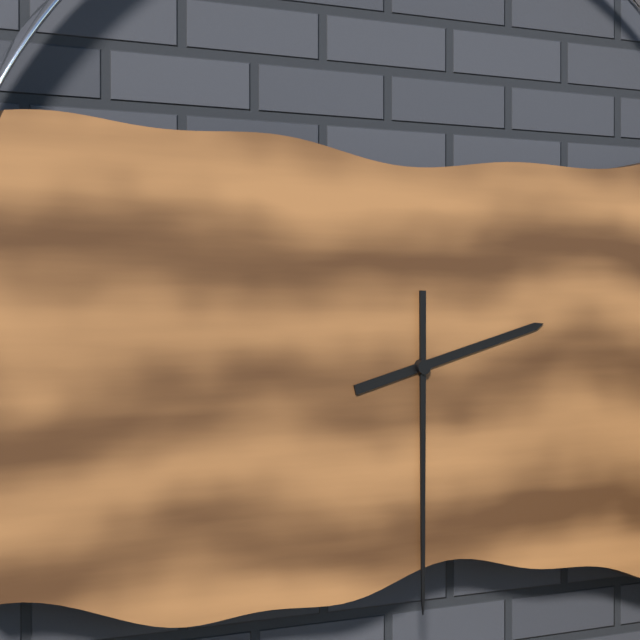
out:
2 h 30 min
